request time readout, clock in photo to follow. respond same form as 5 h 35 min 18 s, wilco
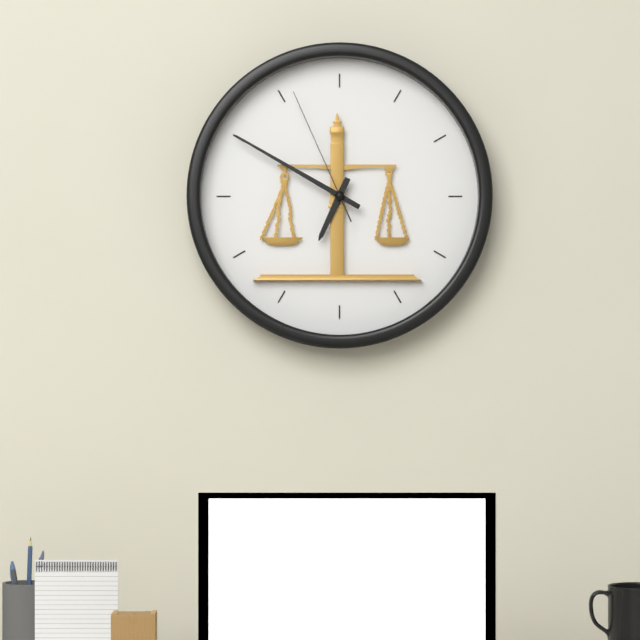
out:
6 h 50 min 56 s
